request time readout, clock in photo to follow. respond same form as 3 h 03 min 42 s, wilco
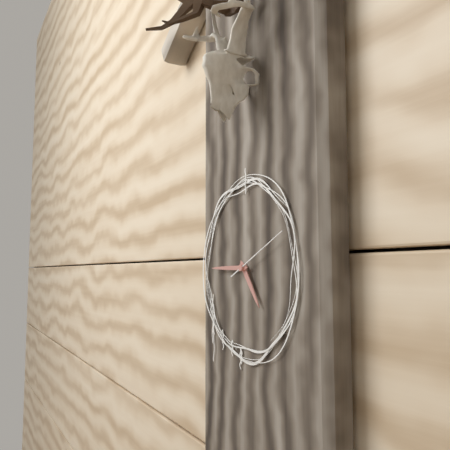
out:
4 h 45 min 11 s
